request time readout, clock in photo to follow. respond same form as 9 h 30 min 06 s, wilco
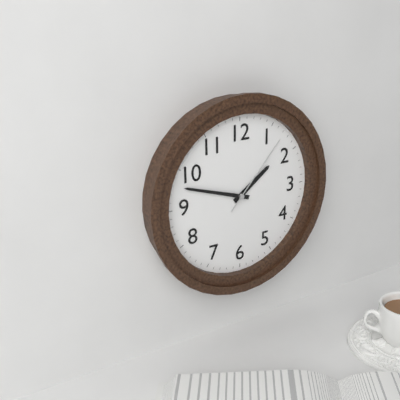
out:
1 h 48 min 07 s
